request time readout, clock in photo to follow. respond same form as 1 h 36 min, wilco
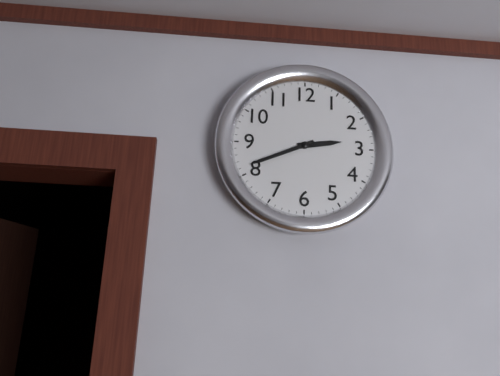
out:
2 h 41 min
